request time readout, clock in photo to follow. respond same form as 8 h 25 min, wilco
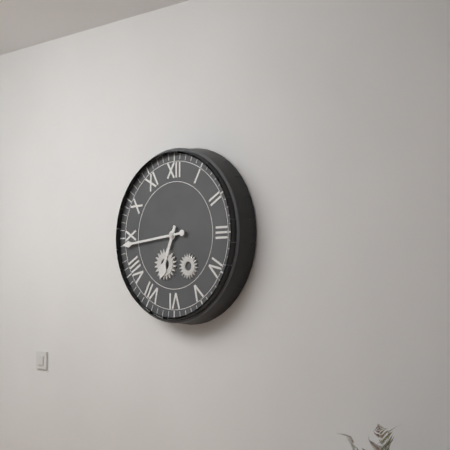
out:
6 h 44 min
